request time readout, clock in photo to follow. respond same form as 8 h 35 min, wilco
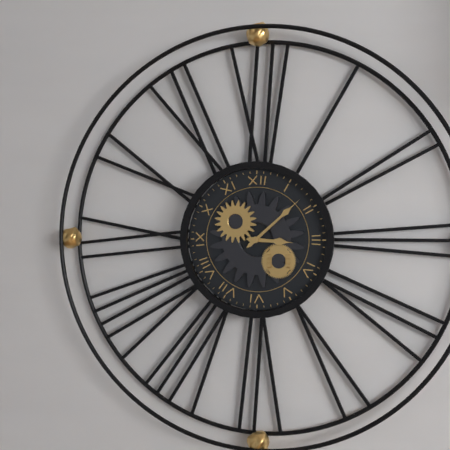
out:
3 h 08 min
